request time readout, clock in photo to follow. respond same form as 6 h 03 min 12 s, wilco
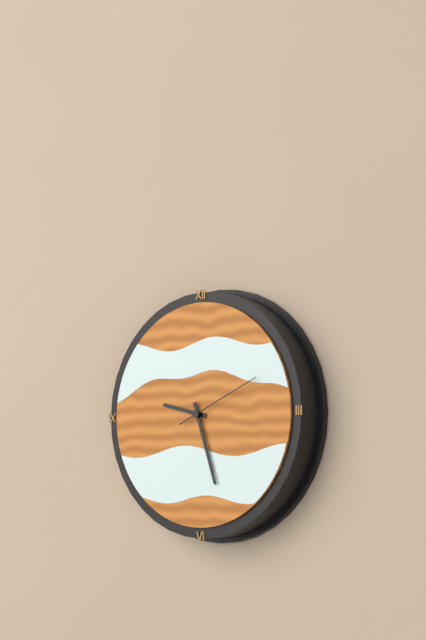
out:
9 h 27 min 11 s
